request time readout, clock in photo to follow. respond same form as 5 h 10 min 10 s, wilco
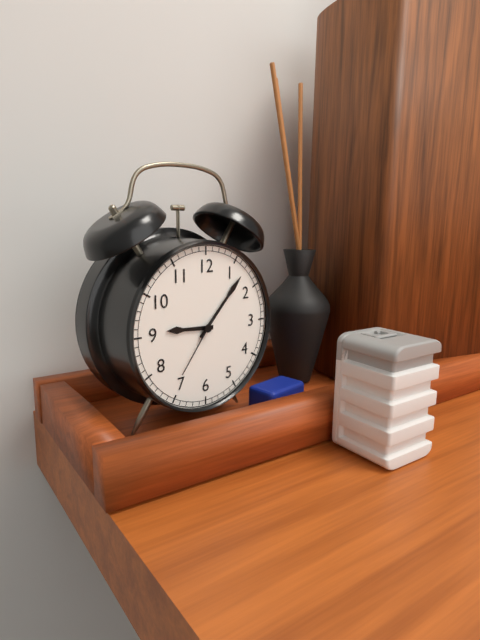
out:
9 h 07 min 36 s
